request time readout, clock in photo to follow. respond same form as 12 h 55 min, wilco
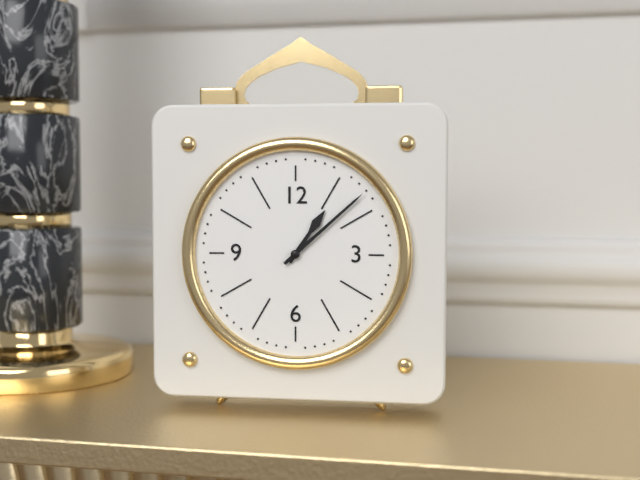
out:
1 h 08 min
